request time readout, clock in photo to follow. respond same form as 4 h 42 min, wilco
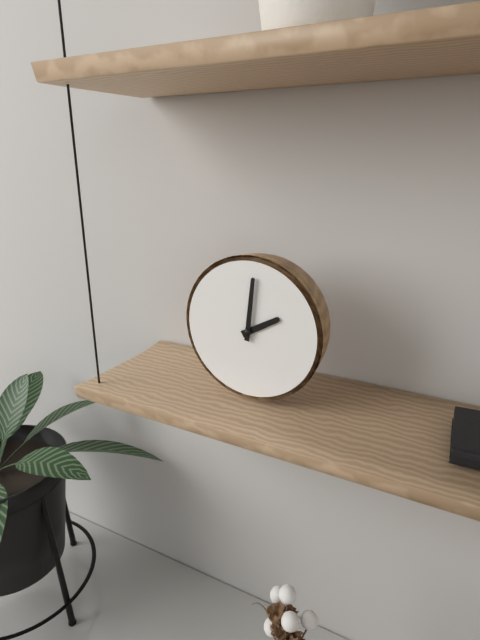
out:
2 h 01 min
